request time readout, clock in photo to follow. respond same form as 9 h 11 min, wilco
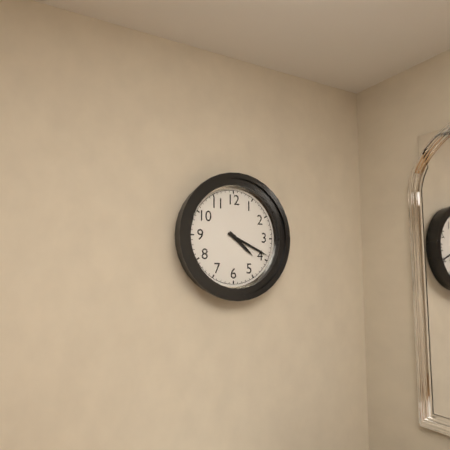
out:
4 h 19 min
